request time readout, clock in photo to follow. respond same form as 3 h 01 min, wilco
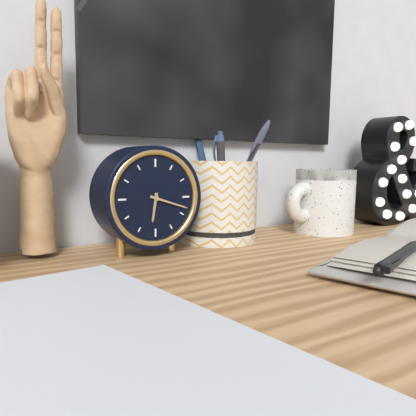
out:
6 h 18 min
